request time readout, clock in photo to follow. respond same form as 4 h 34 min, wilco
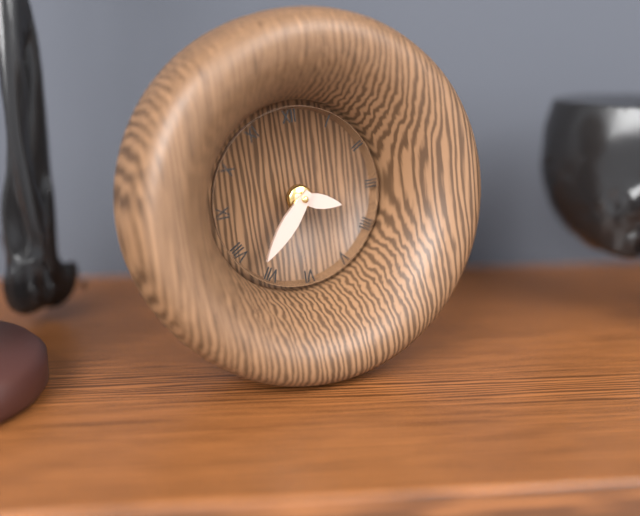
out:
3 h 37 min
